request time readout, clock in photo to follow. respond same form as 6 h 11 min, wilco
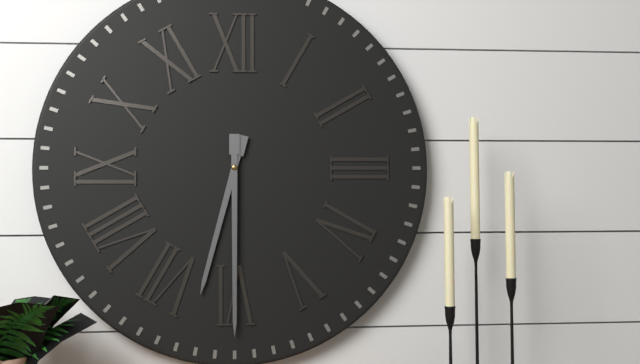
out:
6 h 30 min
